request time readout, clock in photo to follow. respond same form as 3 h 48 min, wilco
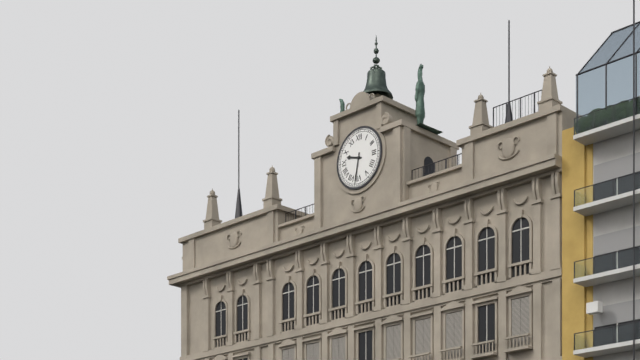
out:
9 h 32 min
